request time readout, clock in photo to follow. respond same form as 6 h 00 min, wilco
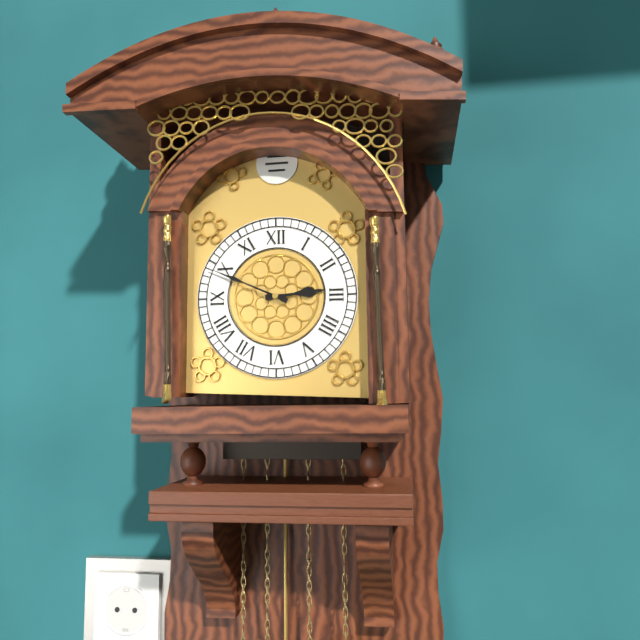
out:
2 h 49 min
